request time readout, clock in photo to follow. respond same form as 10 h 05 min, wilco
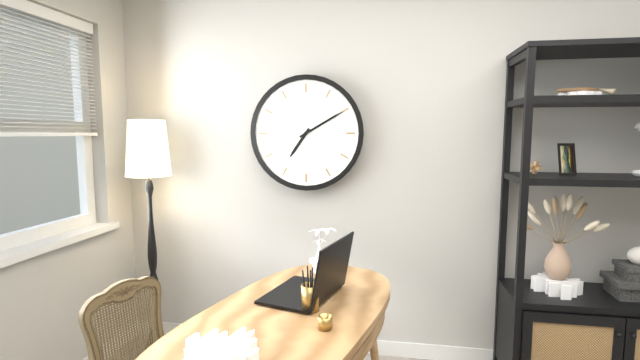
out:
7 h 10 min
